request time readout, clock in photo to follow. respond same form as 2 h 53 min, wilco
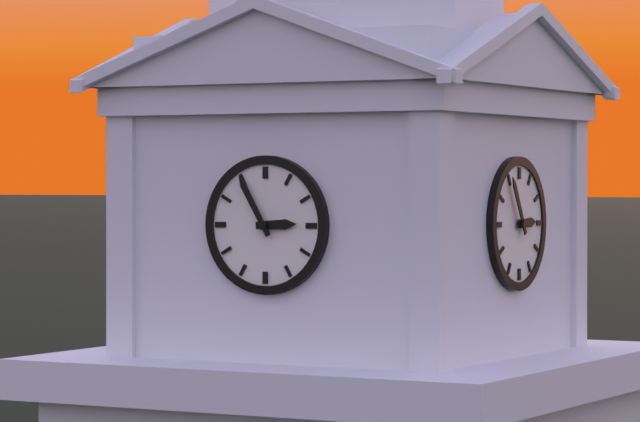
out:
2 h 55 min
